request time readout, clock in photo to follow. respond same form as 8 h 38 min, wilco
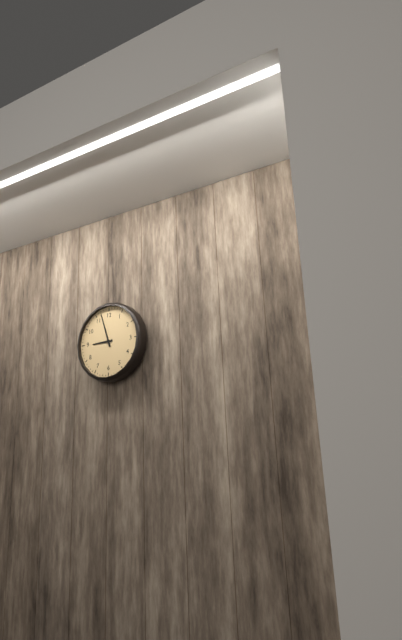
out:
8 h 57 min
